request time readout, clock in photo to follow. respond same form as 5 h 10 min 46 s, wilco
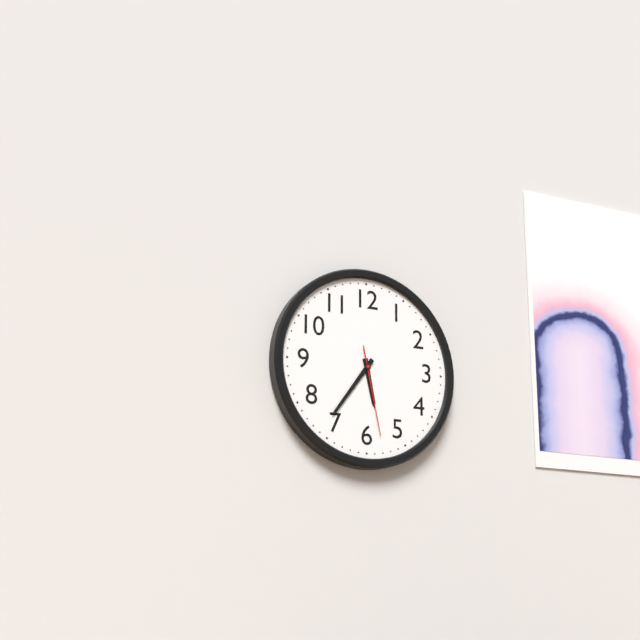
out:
5 h 36 min 28 s
